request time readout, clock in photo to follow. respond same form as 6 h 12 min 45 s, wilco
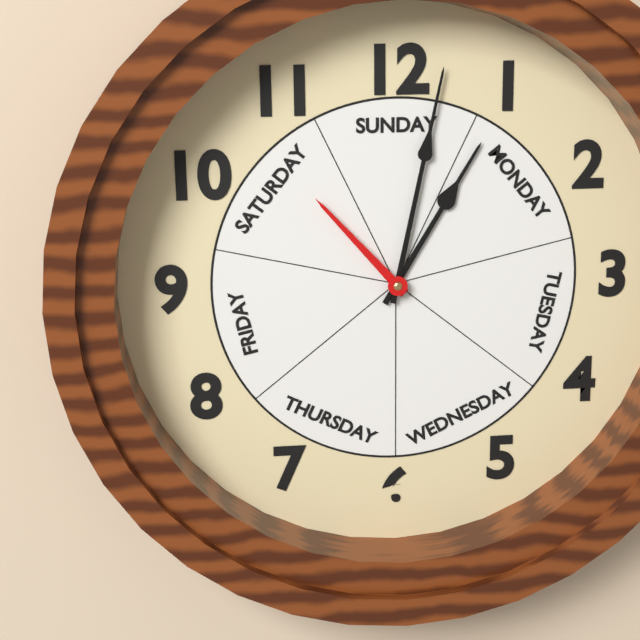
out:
1 h 02 min 53 s
